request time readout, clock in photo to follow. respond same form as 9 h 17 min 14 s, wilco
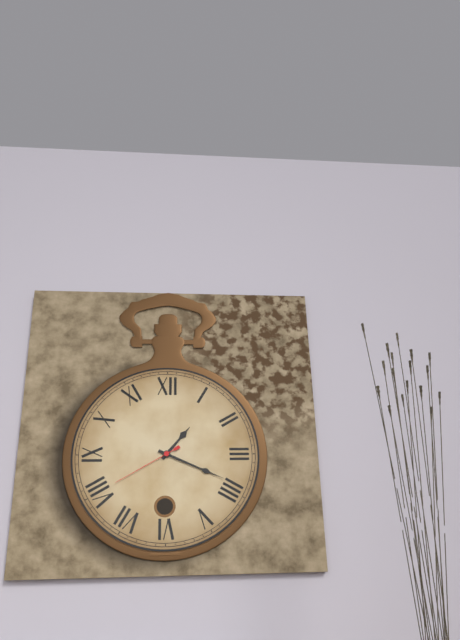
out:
1 h 19 min 40 s
